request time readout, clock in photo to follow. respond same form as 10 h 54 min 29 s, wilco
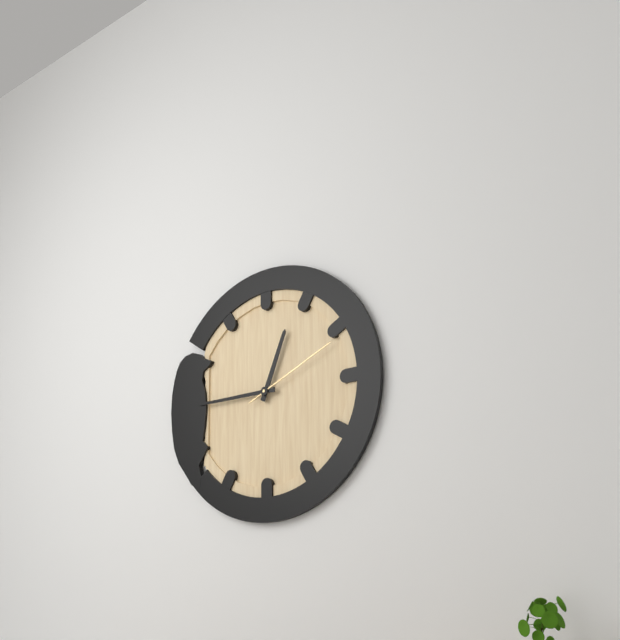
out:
12 h 45 min 11 s
